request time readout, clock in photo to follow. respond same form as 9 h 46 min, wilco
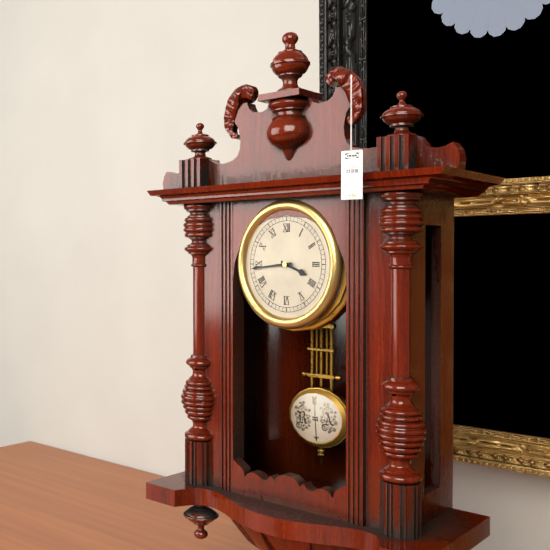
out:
3 h 44 min
